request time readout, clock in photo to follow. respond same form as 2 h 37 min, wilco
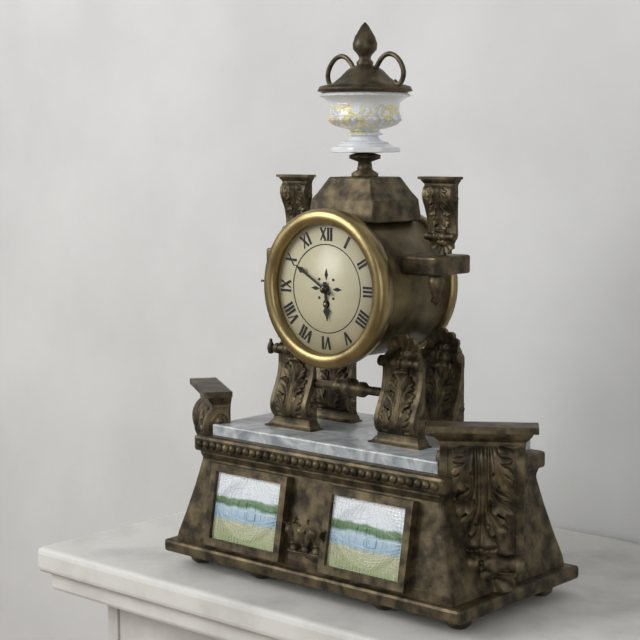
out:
5 h 50 min
